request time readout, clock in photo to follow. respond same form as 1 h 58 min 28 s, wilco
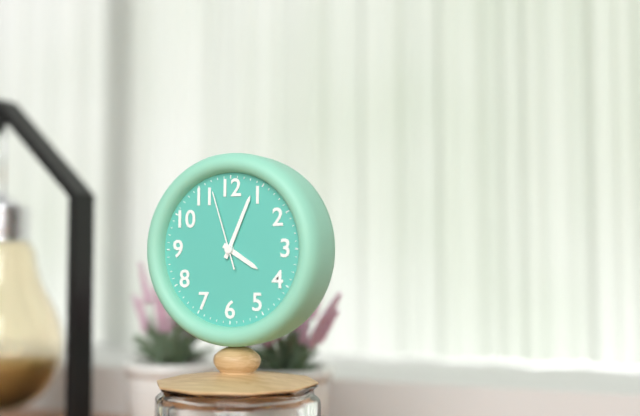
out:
4 h 04 min 57 s
